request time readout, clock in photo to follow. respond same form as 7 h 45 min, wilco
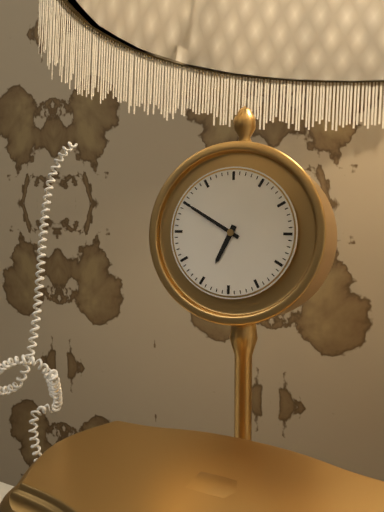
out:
6 h 50 min
